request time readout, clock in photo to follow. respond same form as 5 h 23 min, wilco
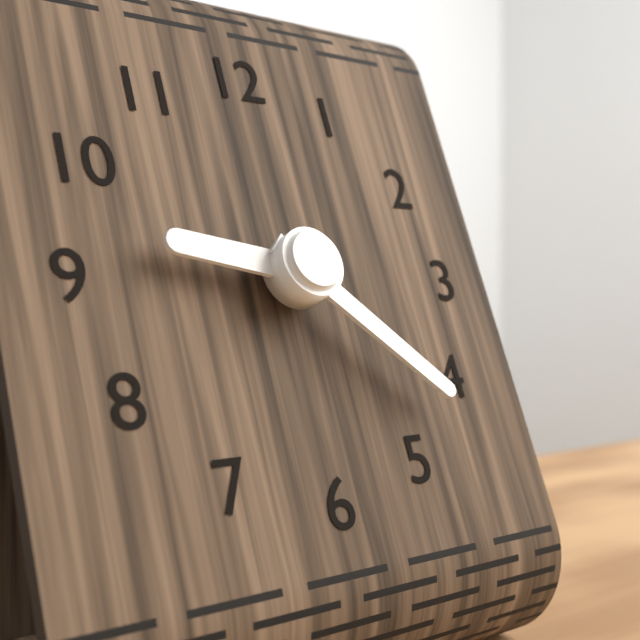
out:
9 h 22 min
